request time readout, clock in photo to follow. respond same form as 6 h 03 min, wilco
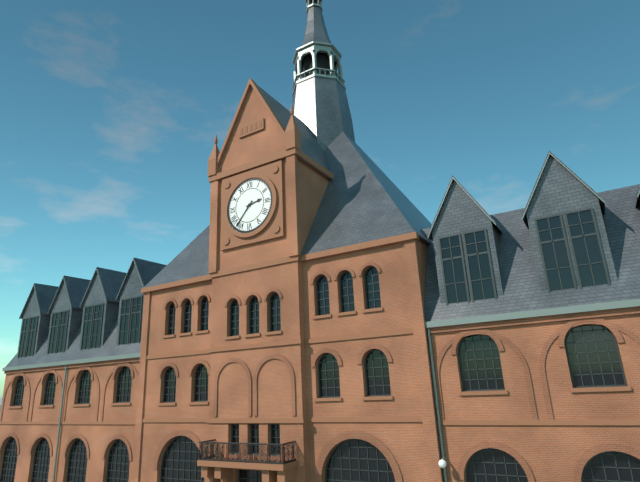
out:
2 h 37 min
